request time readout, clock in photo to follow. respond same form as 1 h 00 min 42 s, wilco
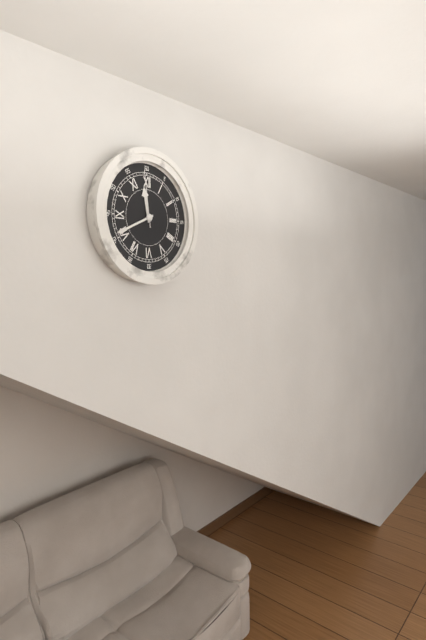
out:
11 h 41 min 59 s
